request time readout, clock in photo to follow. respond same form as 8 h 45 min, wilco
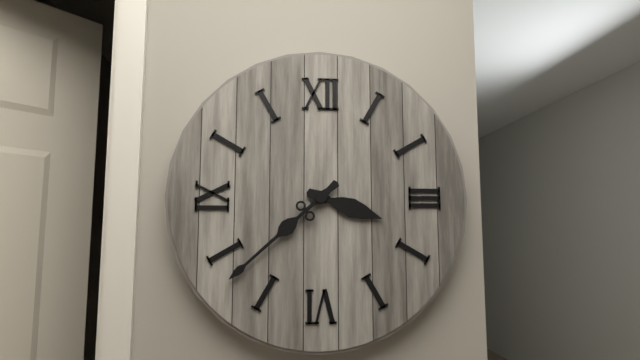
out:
3 h 38 min
